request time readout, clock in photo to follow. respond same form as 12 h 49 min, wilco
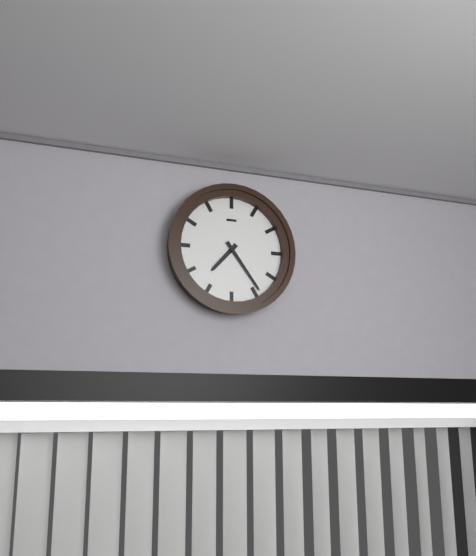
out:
7 h 24 min
